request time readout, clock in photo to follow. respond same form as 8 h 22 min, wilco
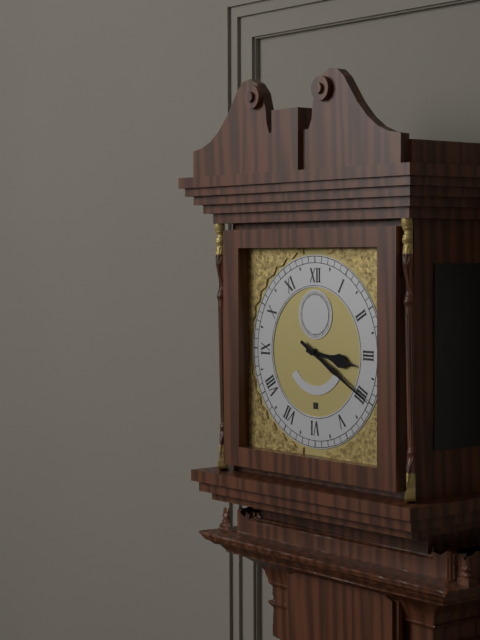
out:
3 h 20 min
